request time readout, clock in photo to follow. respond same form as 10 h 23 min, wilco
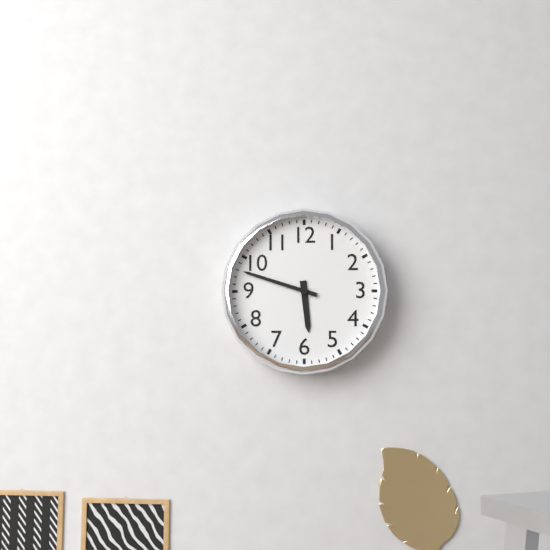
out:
5 h 48 min
